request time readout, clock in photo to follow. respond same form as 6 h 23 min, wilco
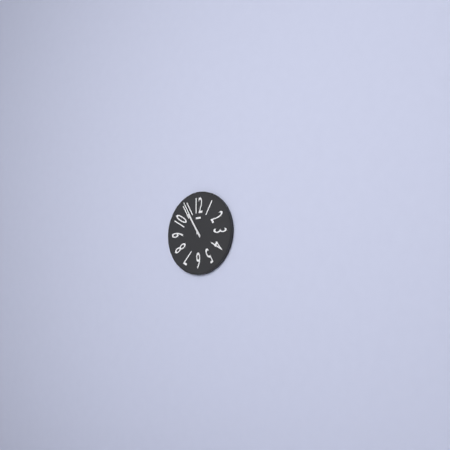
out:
10 h 55 min
